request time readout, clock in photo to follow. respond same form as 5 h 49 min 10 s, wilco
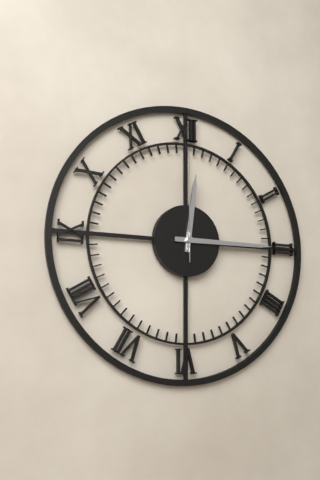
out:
12 h 15 min 00 s
